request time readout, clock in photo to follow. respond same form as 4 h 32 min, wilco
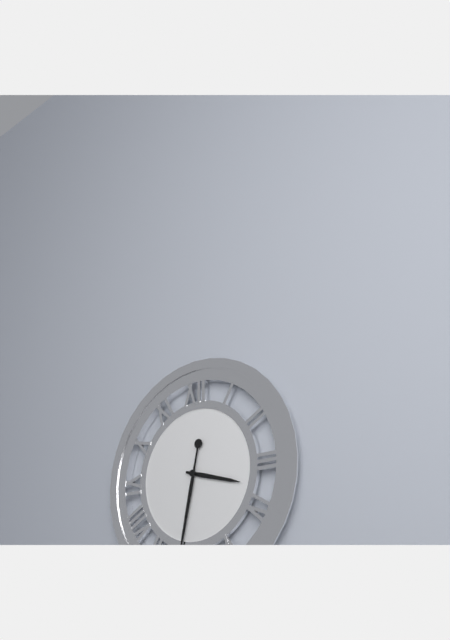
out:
3 h 32 min
